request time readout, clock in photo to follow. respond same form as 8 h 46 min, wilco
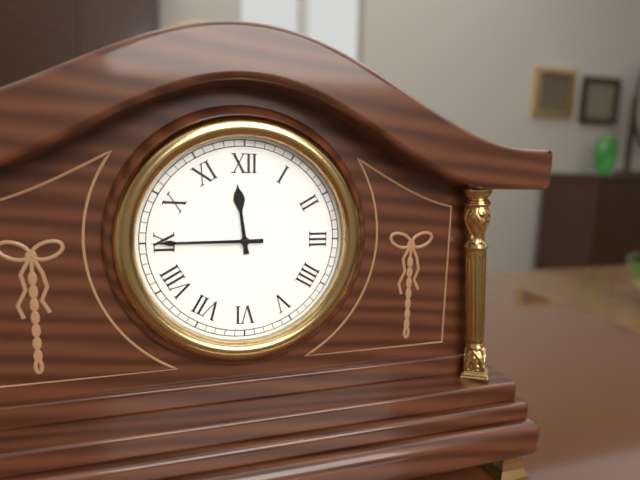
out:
11 h 45 min
